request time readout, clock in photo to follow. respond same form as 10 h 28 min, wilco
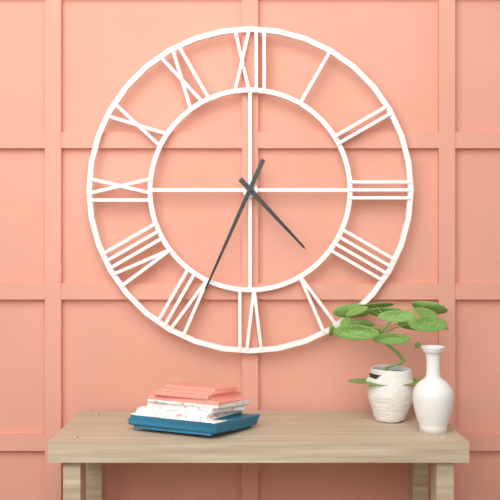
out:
4 h 34 min
